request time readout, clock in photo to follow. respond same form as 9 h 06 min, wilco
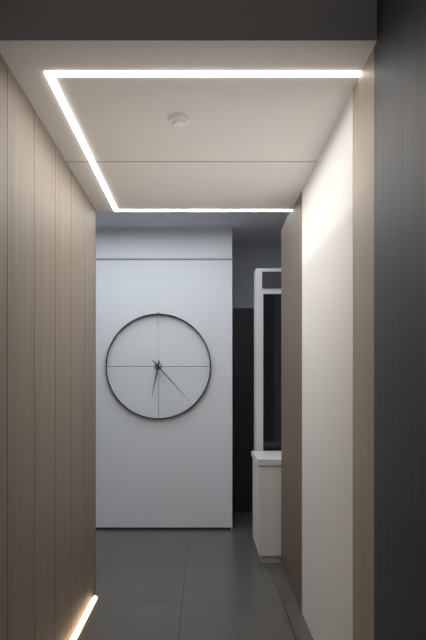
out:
6 h 23 min
